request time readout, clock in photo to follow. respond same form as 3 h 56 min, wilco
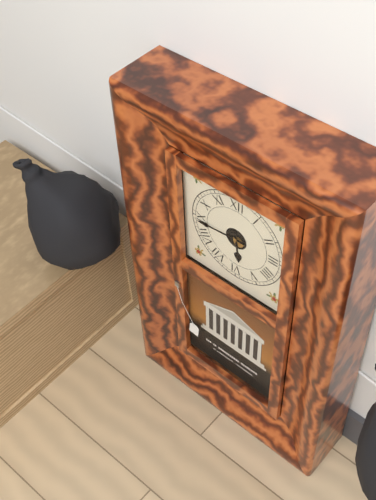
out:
5 h 44 min
